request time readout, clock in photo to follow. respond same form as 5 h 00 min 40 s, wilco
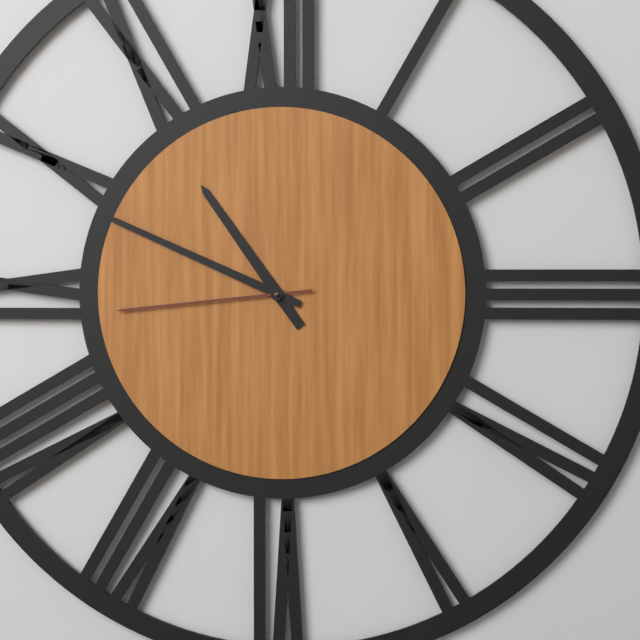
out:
10 h 49 min 44 s
